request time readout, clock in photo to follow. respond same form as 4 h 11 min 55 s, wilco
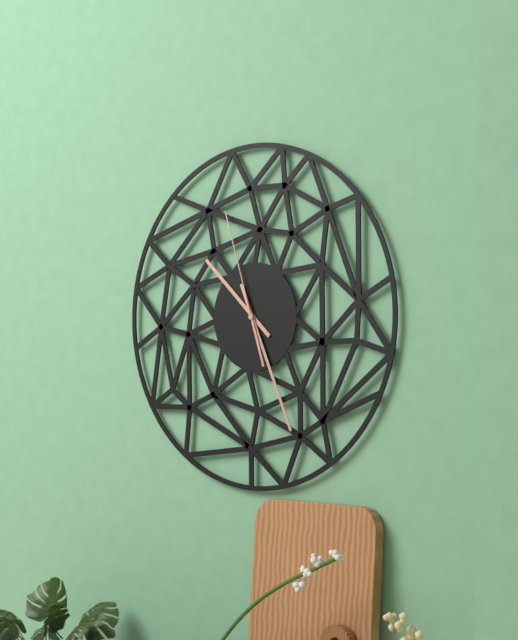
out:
10 h 26 min 57 s
